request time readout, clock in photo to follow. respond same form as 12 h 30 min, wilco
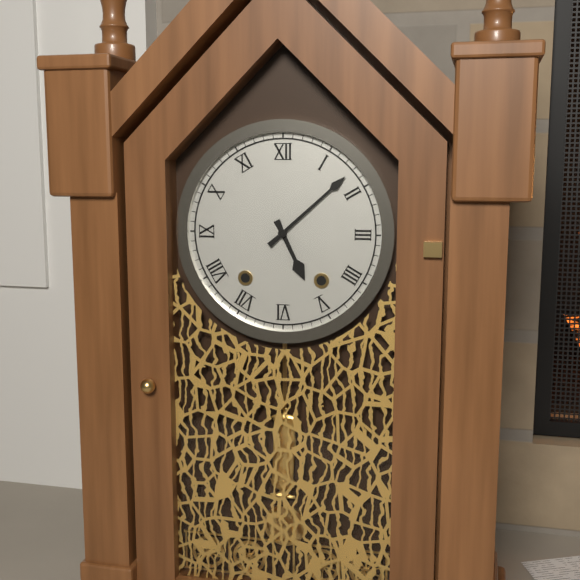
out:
5 h 08 min
